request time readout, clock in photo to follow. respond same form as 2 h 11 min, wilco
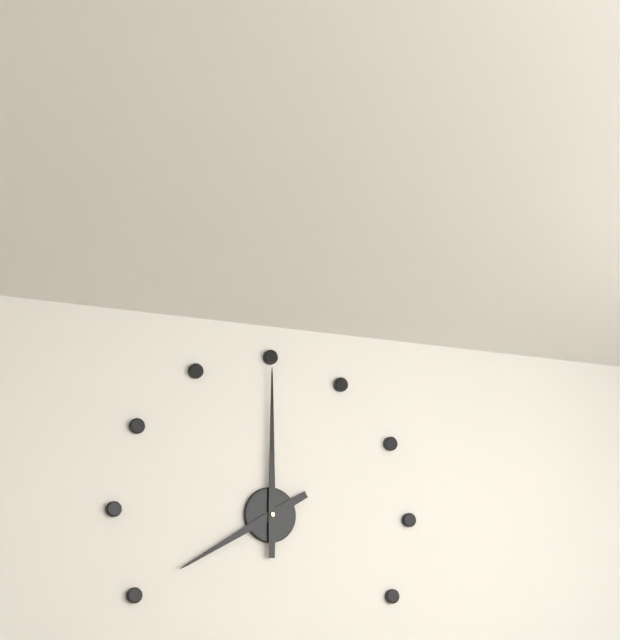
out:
8 h 00 min
